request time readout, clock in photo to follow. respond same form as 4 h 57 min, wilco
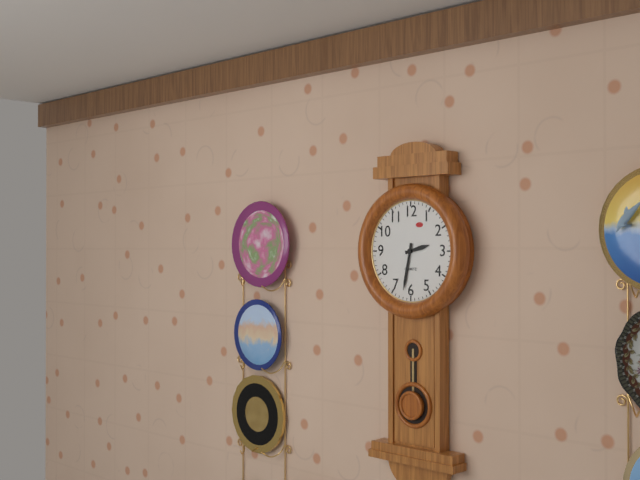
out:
2 h 32 min
